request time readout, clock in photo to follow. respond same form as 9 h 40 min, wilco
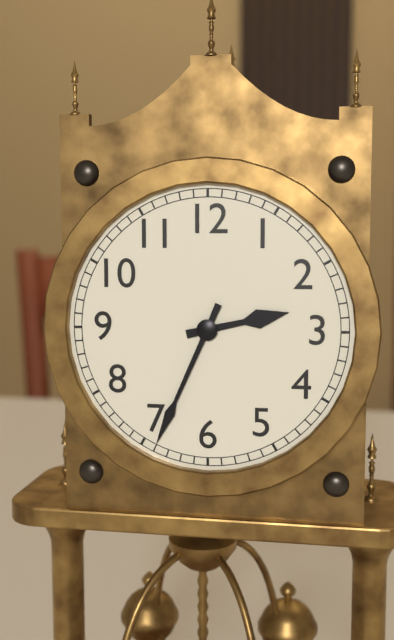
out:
2 h 34 min
